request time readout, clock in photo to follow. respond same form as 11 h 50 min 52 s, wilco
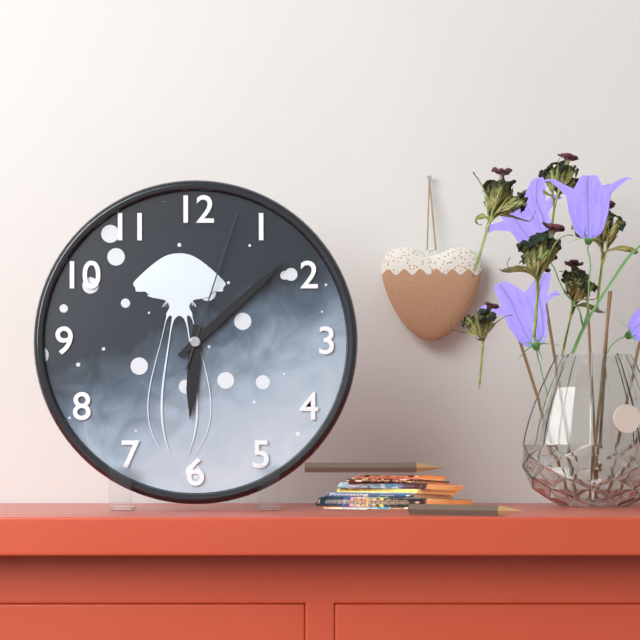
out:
6 h 08 min 03 s
